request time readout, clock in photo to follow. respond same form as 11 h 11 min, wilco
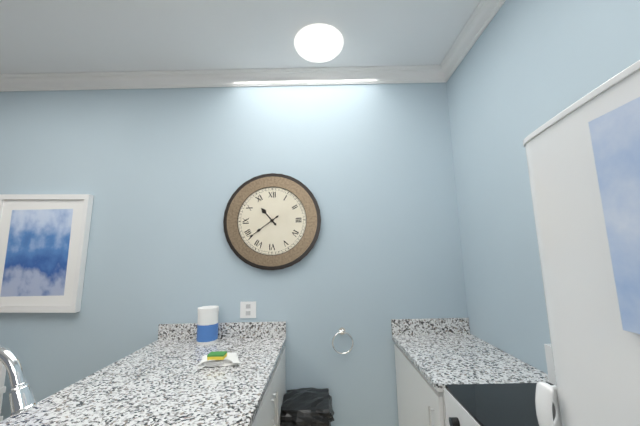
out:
10 h 39 min
